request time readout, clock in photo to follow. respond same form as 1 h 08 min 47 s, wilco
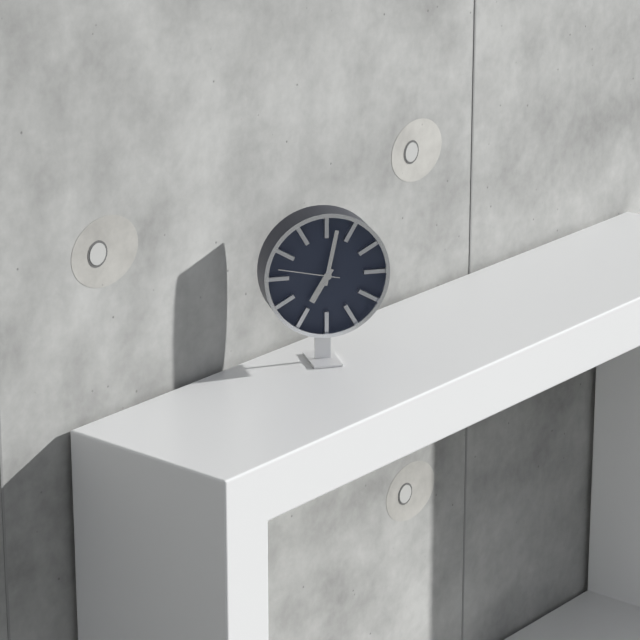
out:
7 h 02 min 47 s
